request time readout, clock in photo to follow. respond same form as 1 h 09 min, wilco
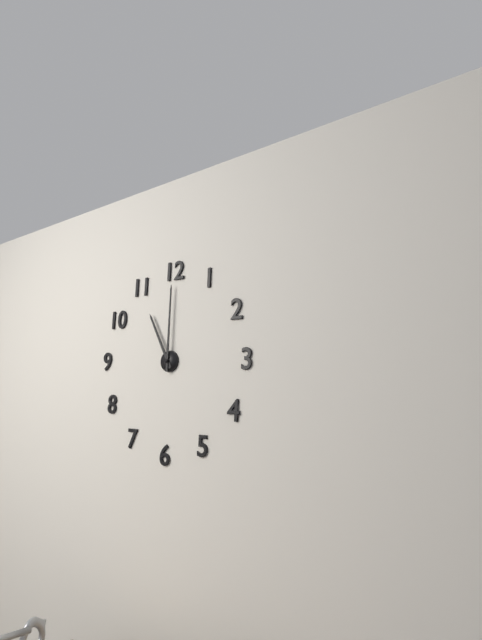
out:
11 h 00 min
